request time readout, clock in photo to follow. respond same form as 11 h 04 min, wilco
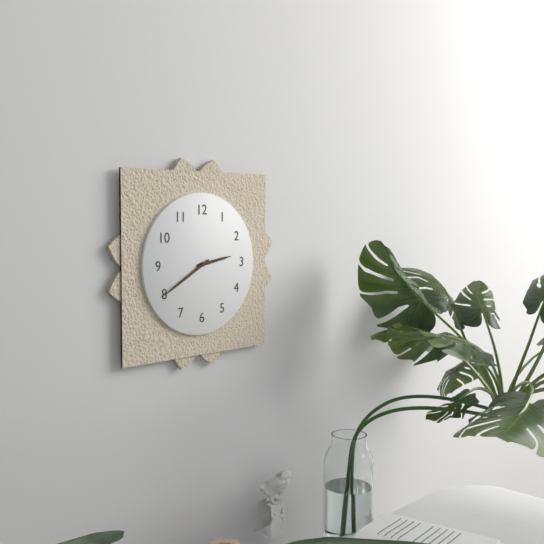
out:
2 h 40 min
